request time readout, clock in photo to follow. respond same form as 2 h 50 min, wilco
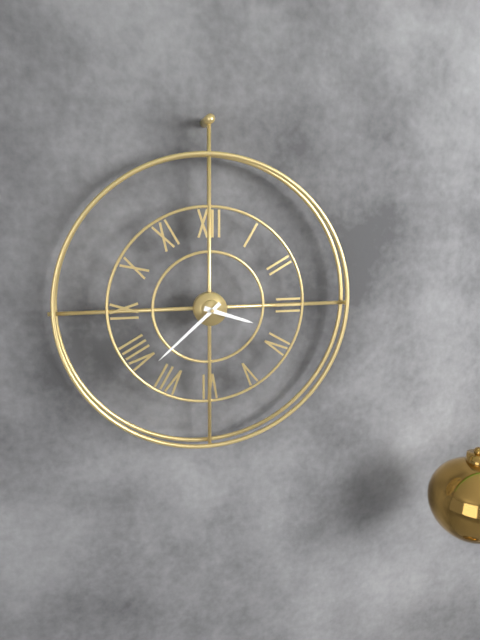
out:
3 h 38 min
